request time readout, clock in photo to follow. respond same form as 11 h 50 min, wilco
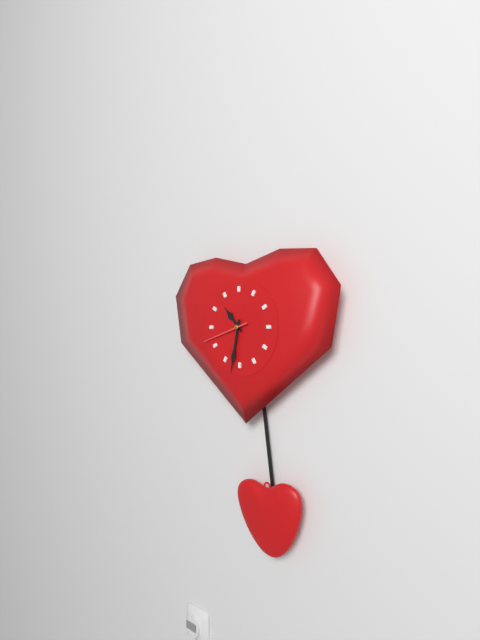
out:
10 h 32 min
